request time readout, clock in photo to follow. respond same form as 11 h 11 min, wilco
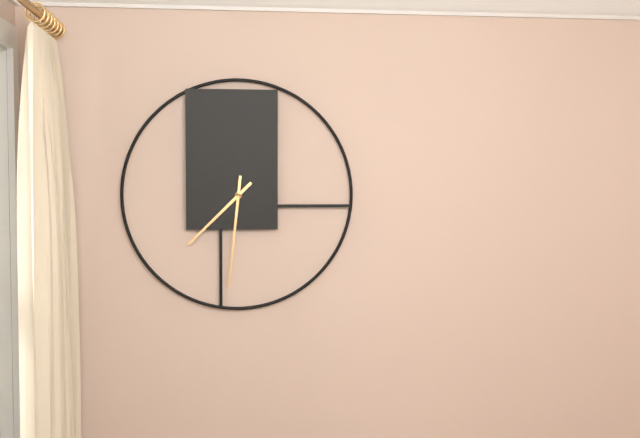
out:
7 h 31 min
